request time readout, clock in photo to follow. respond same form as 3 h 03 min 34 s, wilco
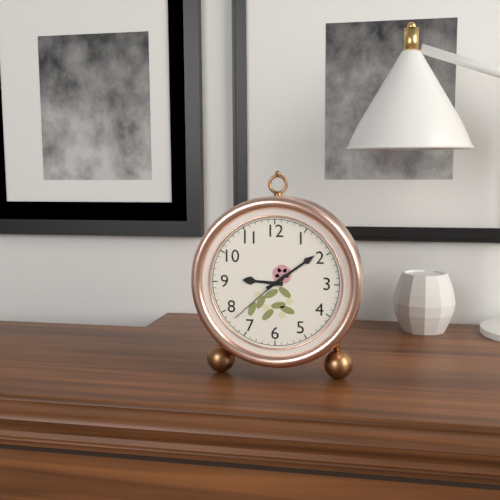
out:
9 h 09 min 38 s
